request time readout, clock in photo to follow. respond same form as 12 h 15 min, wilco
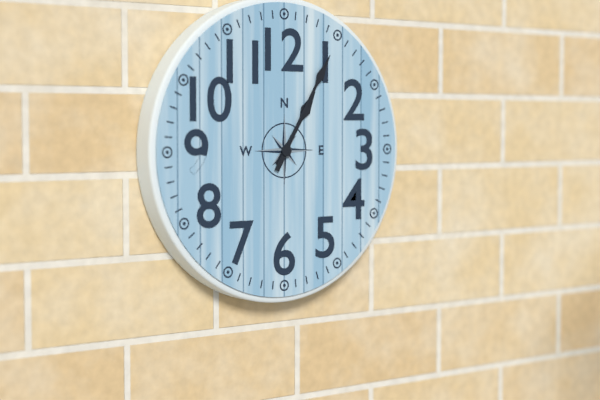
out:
1 h 05 min
